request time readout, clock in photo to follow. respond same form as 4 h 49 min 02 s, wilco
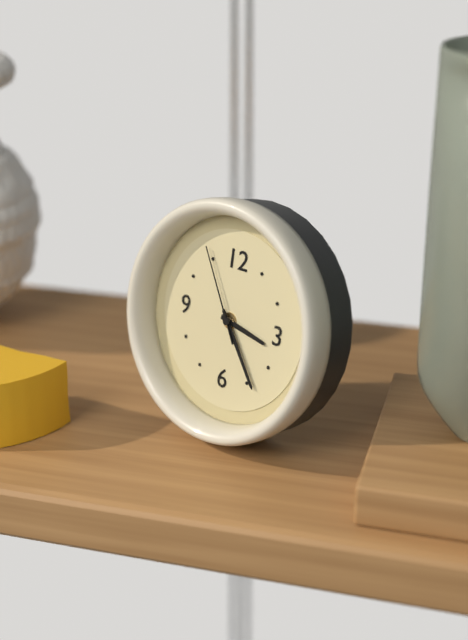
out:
3 h 24 min 55 s
